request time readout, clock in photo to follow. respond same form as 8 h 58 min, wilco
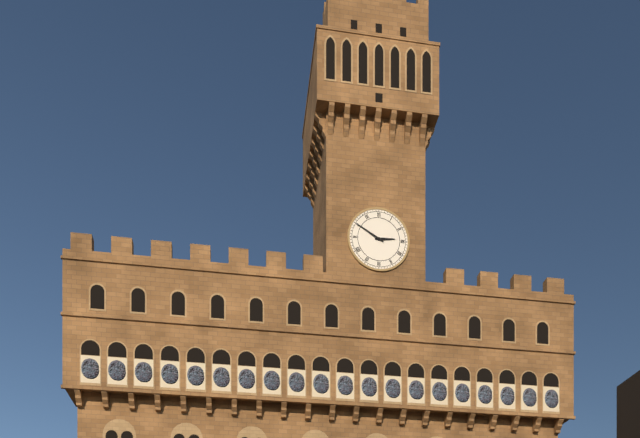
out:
2 h 50 min
